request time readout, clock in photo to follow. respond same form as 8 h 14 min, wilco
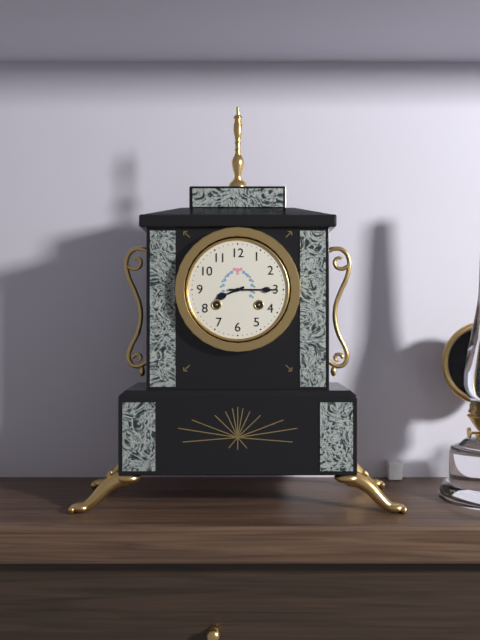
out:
8 h 15 min
